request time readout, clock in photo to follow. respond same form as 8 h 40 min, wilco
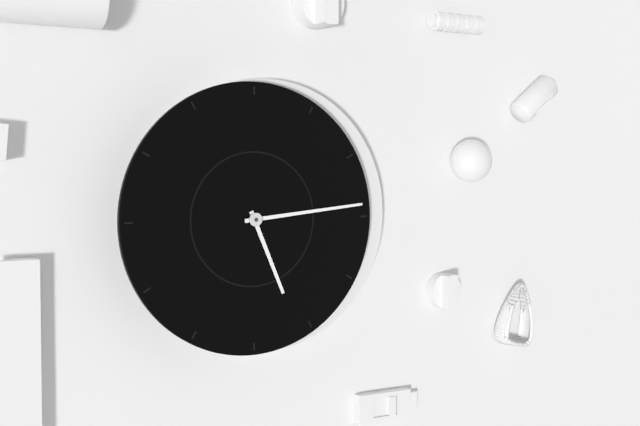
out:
5 h 14 min
